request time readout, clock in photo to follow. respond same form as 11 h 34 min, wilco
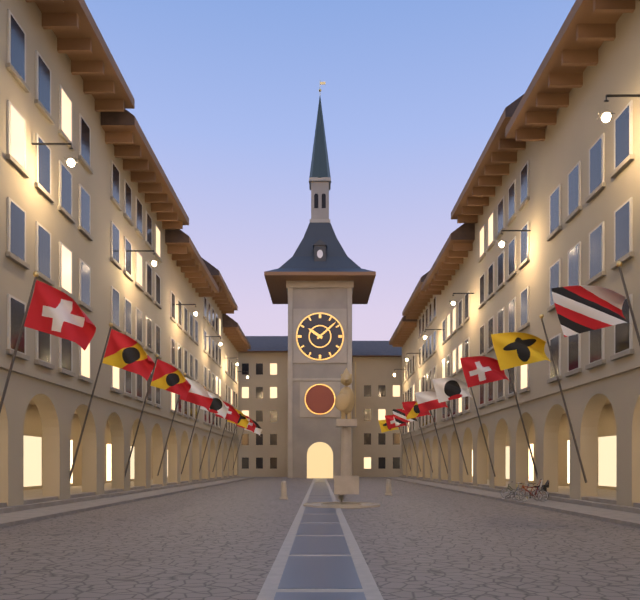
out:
10 h 08 min
